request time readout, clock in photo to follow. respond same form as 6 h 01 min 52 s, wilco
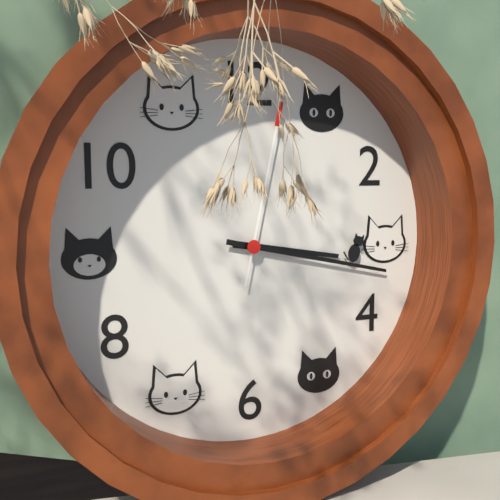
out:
3 h 17 min 02 s
